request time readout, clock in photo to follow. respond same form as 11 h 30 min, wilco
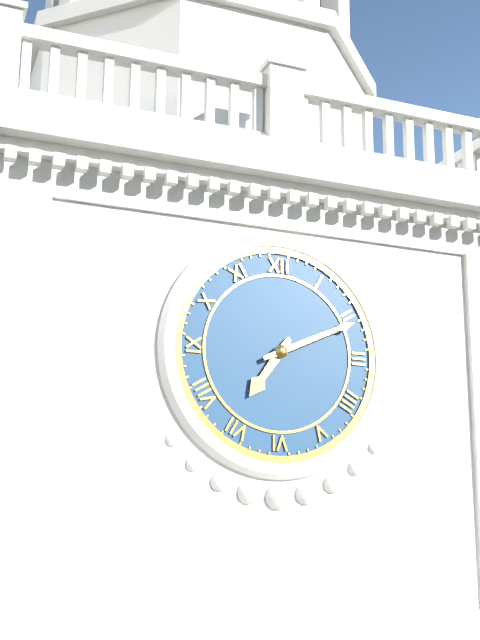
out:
7 h 11 min
